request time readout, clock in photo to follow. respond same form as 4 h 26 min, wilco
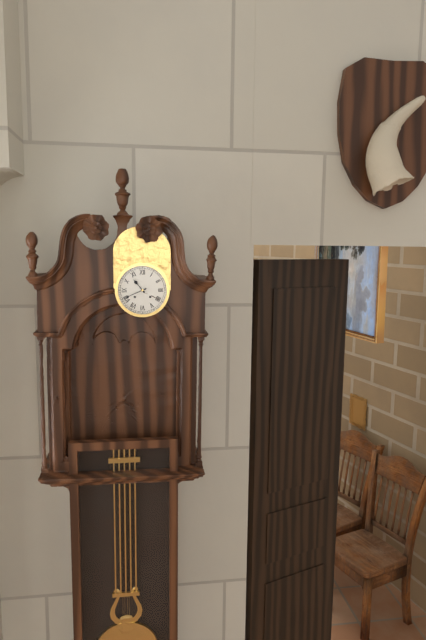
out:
10 h 41 min
